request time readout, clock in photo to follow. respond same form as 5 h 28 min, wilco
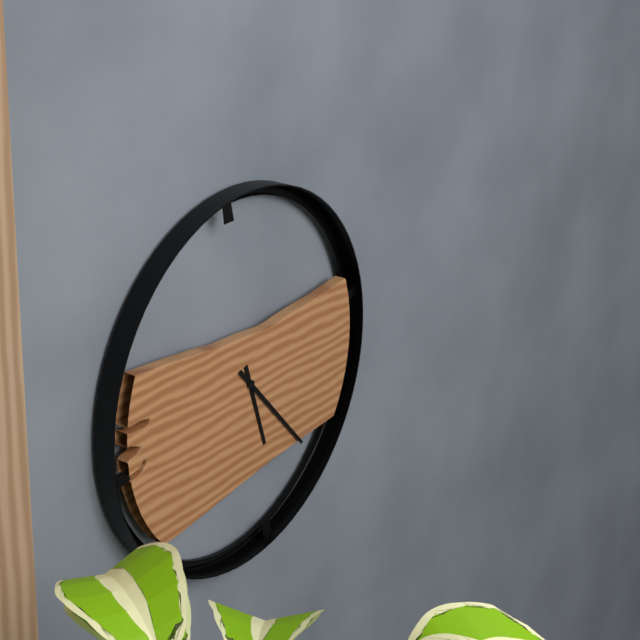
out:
5 h 23 min
